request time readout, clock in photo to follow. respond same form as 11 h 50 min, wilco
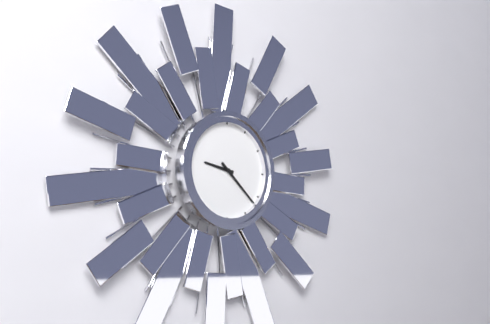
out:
9 h 22 min
